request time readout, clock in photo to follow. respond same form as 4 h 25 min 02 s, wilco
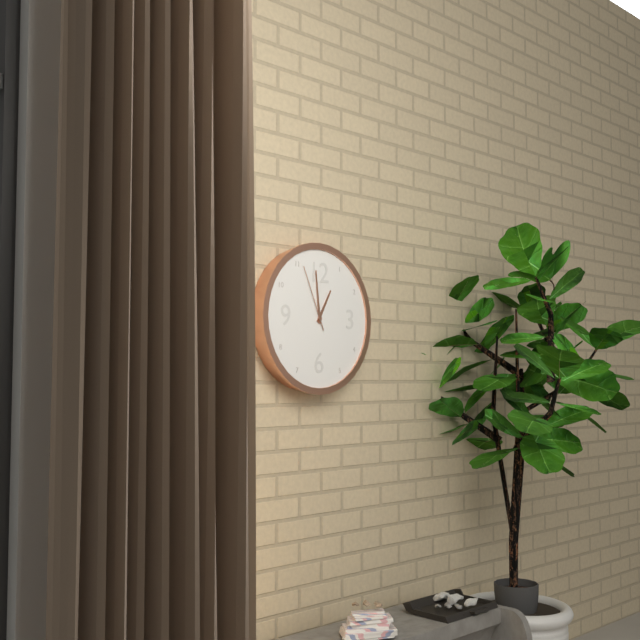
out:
12 h 59 min 56 s
